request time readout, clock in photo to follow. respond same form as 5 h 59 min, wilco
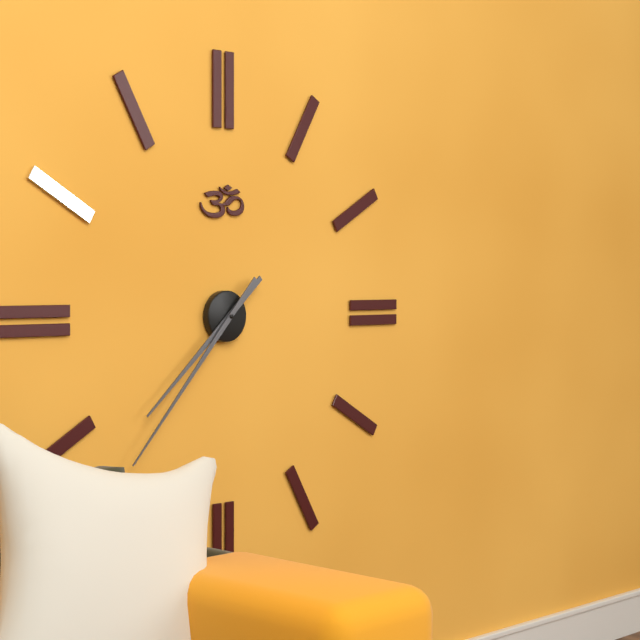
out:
7 h 37 min
